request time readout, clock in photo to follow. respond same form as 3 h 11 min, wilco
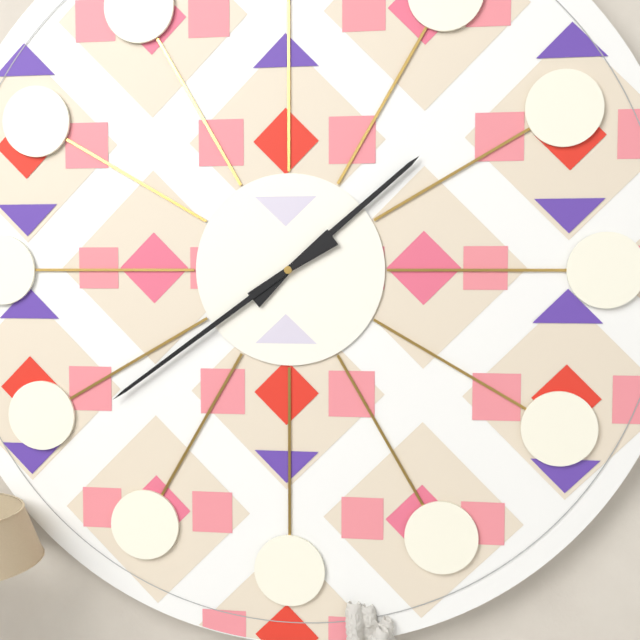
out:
1 h 39 min
